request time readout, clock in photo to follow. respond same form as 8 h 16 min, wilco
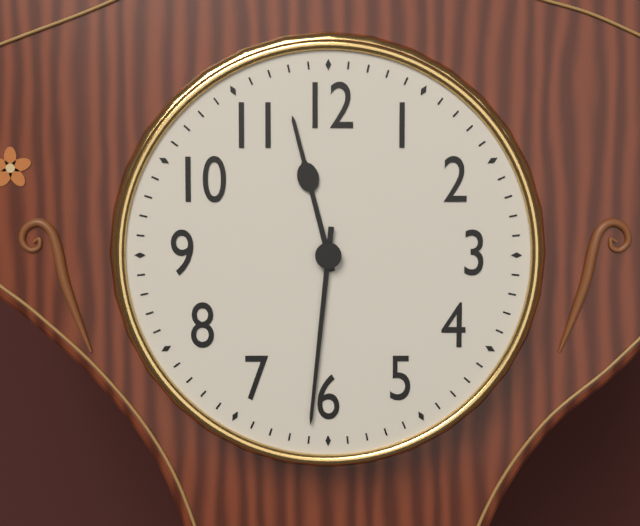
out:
11 h 31 min
